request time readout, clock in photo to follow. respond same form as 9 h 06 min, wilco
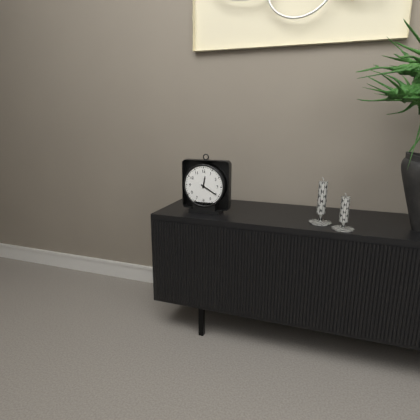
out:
12 h 20 min
